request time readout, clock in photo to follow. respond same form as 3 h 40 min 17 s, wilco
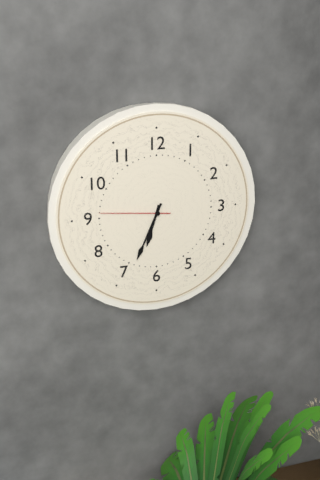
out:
6 h 34 min 46 s
